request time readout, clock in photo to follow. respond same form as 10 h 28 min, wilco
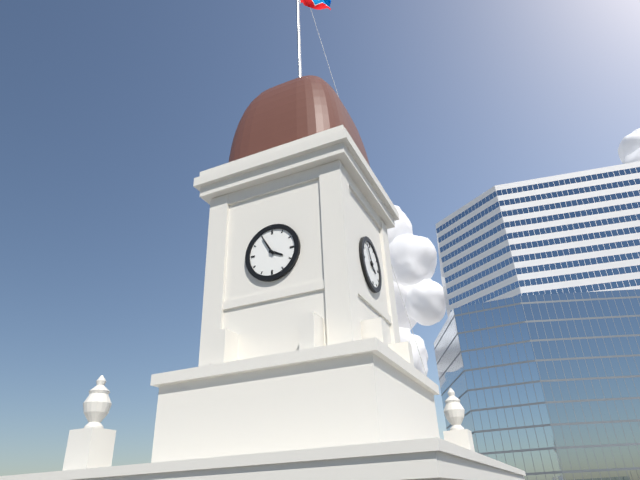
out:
3 h 55 min
